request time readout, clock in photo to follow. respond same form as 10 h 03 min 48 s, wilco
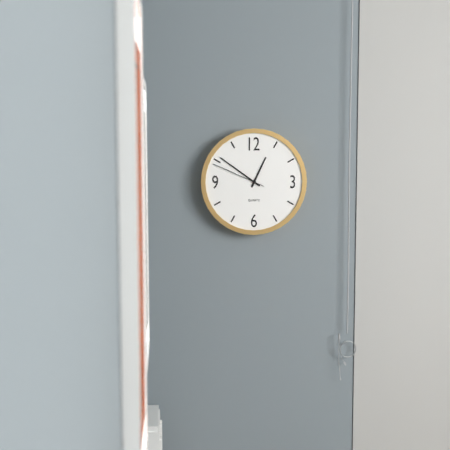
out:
12 h 51 min 49 s
